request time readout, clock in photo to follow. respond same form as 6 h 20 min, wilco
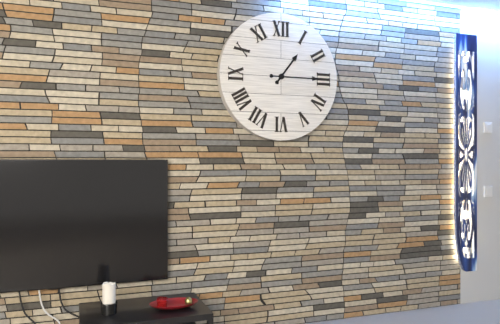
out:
1 h 15 min
